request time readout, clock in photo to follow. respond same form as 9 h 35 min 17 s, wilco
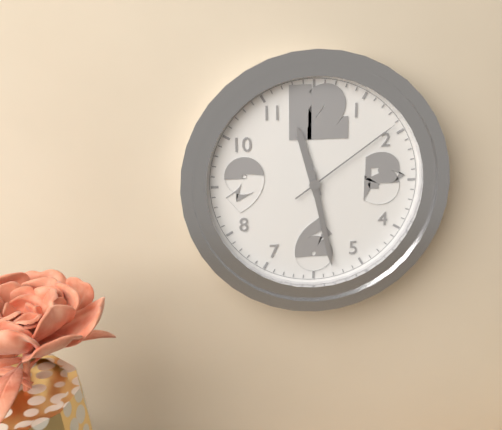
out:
11 h 28 min 09 s
